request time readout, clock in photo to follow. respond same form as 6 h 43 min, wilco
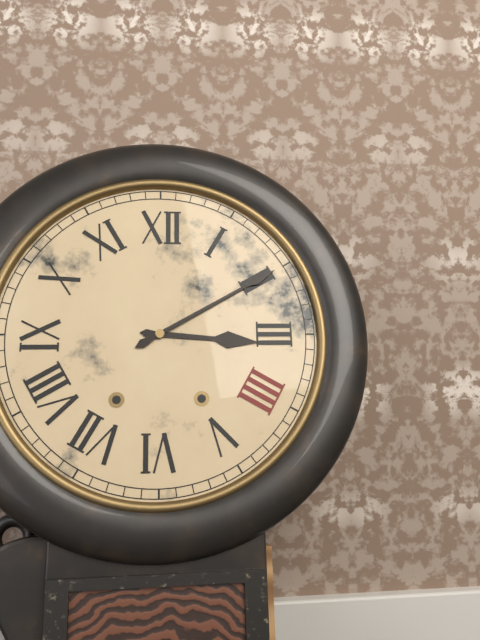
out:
3 h 10 min
